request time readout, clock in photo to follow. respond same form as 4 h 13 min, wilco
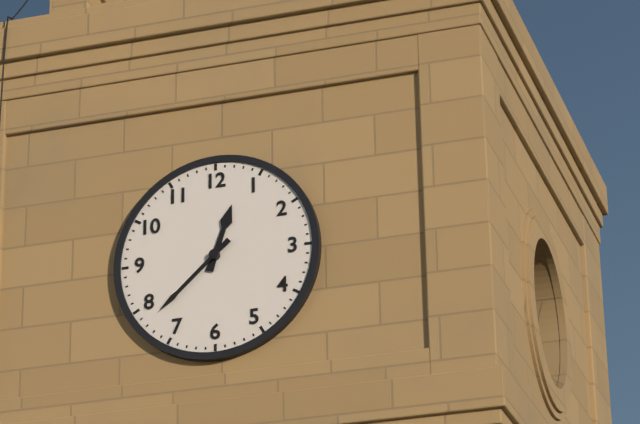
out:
12 h 38 min
